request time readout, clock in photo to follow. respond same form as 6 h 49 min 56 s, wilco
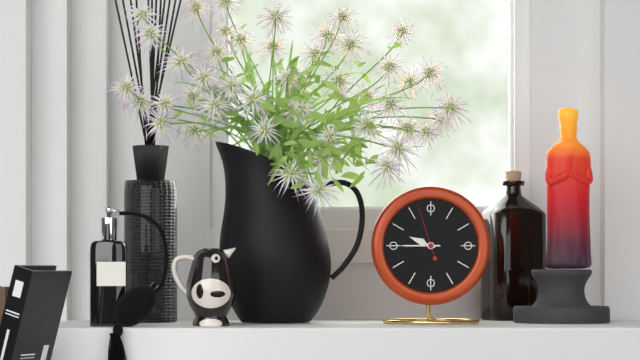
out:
9 h 45 min 57 s
